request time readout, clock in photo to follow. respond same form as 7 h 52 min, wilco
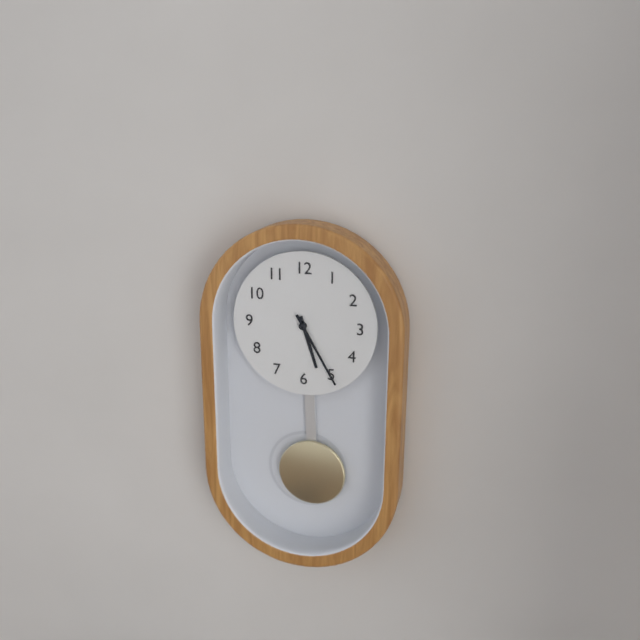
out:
5 h 25 min
